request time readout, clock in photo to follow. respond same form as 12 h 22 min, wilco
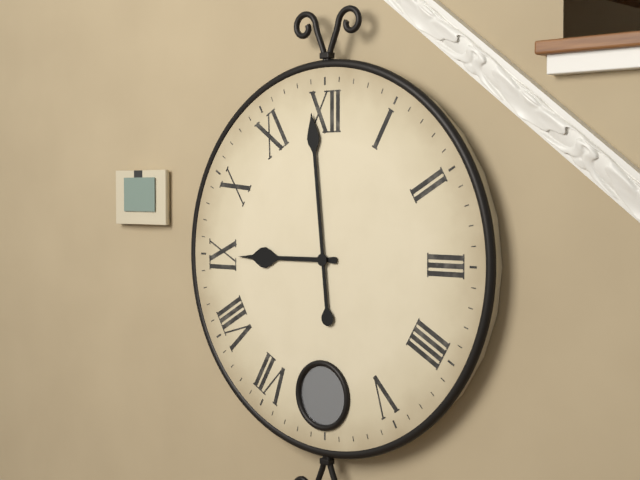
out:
8 h 59 min
